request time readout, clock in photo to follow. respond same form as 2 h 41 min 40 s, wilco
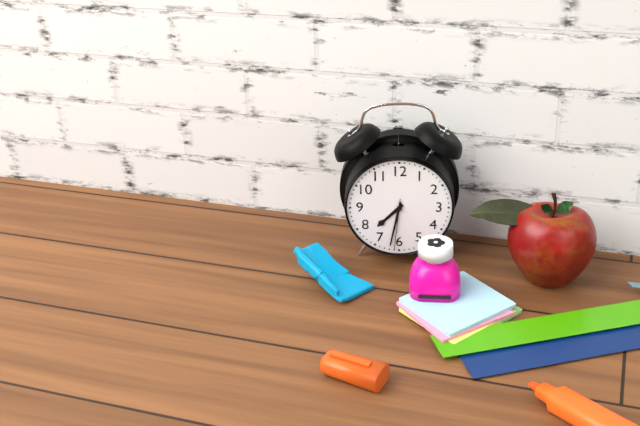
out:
7 h 32 min 31 s
